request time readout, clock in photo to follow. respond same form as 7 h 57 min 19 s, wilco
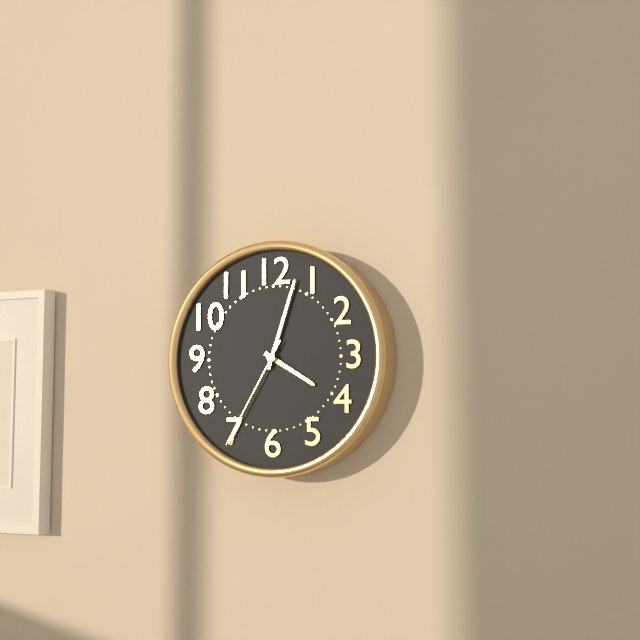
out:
4 h 03 min 35 s
